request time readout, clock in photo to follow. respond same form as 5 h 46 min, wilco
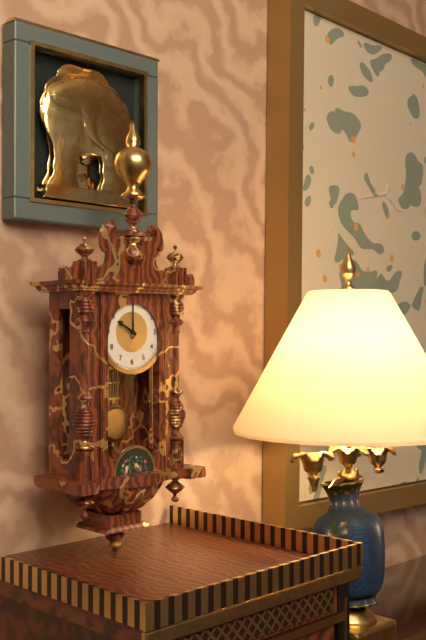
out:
10 h 00 min
